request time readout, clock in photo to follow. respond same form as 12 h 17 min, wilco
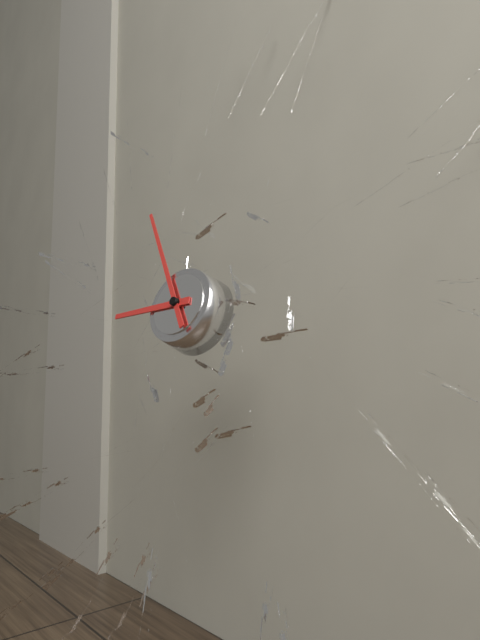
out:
8 h 55 min
